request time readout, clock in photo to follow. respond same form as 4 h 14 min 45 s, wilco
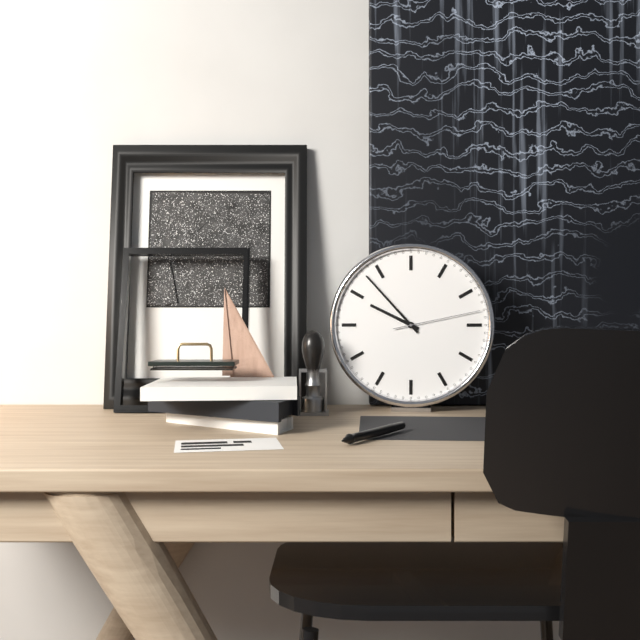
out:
9 h 53 min 13 s
